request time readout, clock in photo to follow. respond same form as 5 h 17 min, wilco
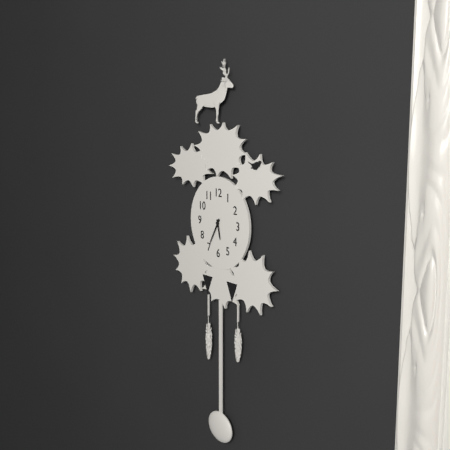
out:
5 h 35 min
